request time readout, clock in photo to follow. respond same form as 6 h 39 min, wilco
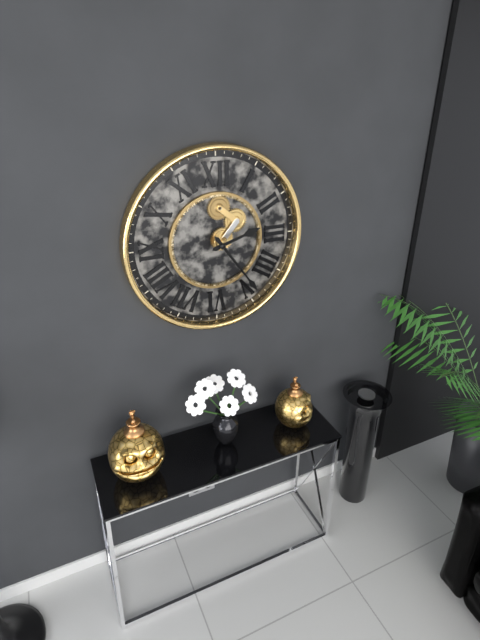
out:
2 h 24 min
